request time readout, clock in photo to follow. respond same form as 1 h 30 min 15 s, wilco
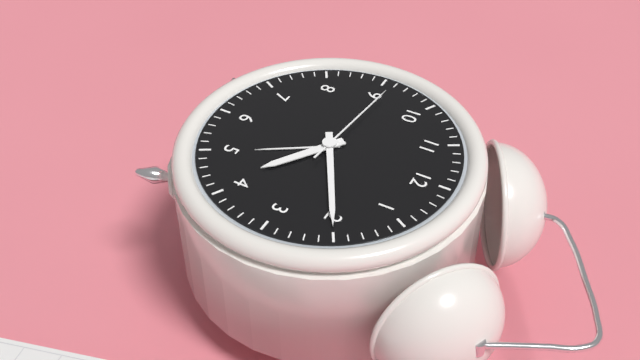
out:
4 h 10 min 46 s
